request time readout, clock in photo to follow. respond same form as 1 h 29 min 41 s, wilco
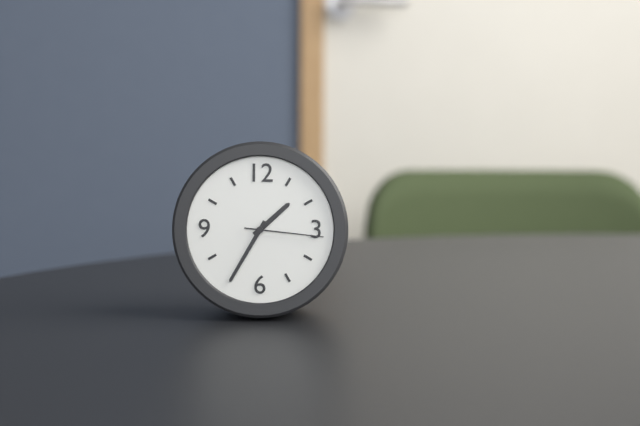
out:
1 h 35 min 16 s
